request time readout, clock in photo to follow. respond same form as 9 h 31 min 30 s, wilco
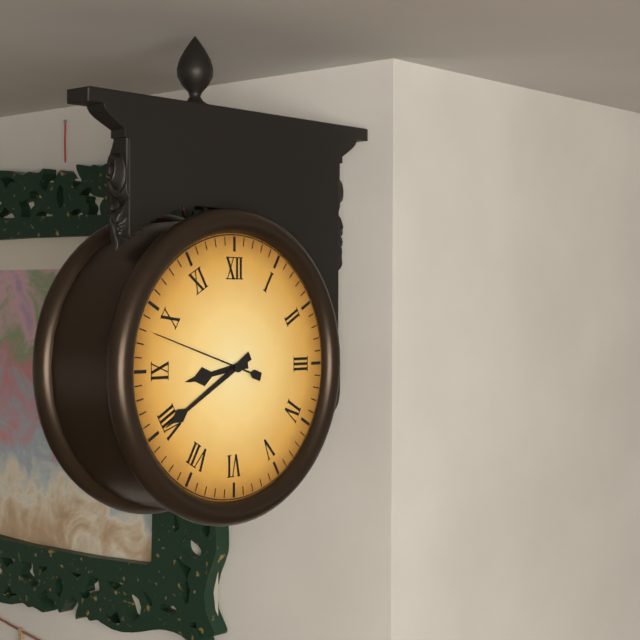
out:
8 h 40 min 48 s
